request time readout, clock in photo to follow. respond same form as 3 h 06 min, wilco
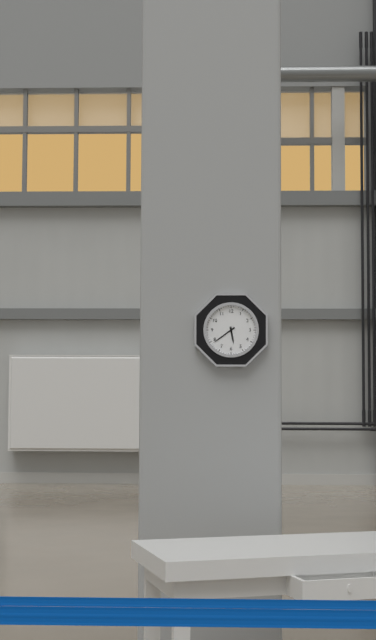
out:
5 h 39 min
